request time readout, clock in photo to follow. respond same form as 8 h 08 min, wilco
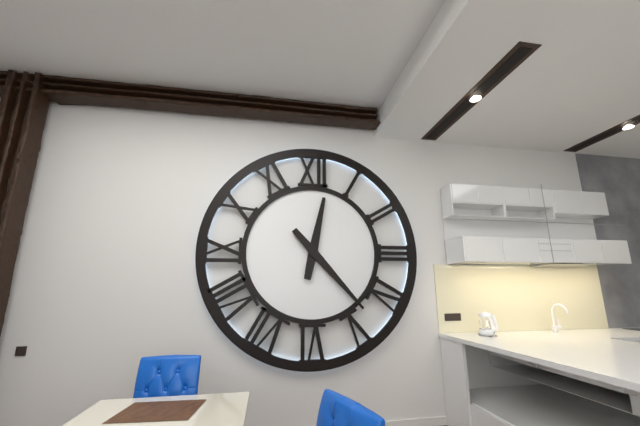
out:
12 h 23 min
